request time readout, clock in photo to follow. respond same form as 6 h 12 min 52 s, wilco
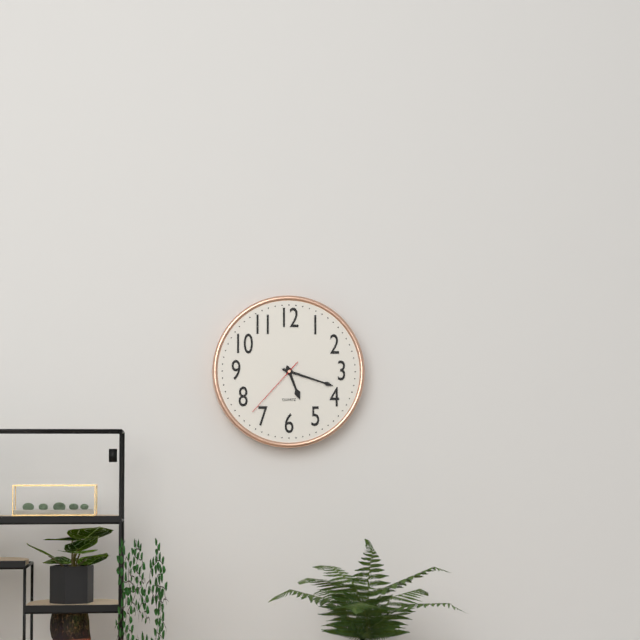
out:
5 h 18 min 37 s
